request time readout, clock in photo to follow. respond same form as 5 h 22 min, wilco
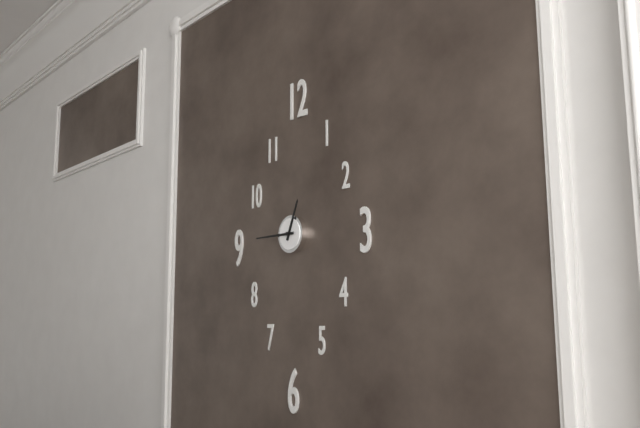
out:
12 h 45 min
